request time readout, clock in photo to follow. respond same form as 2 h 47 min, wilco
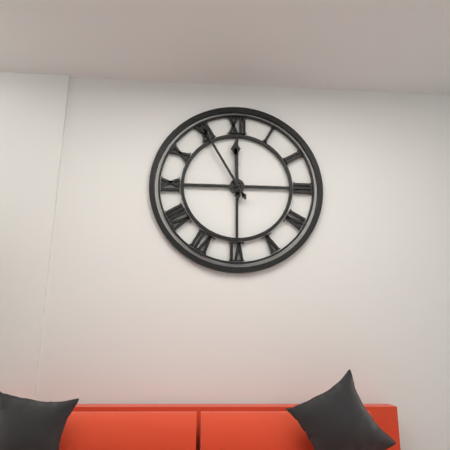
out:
11 h 55 min
